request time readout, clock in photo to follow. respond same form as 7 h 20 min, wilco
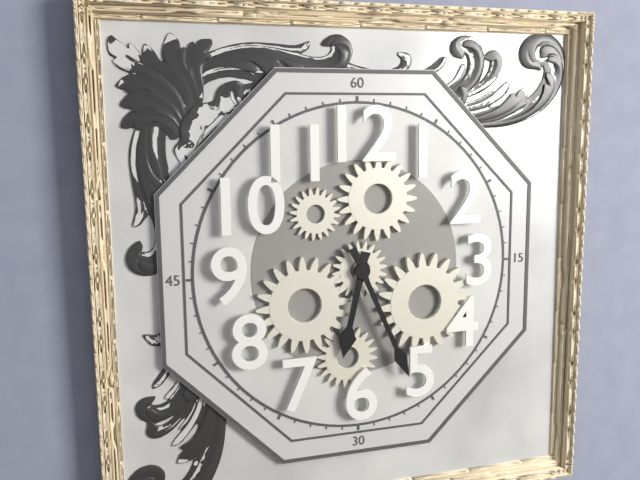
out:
6 h 26 min
